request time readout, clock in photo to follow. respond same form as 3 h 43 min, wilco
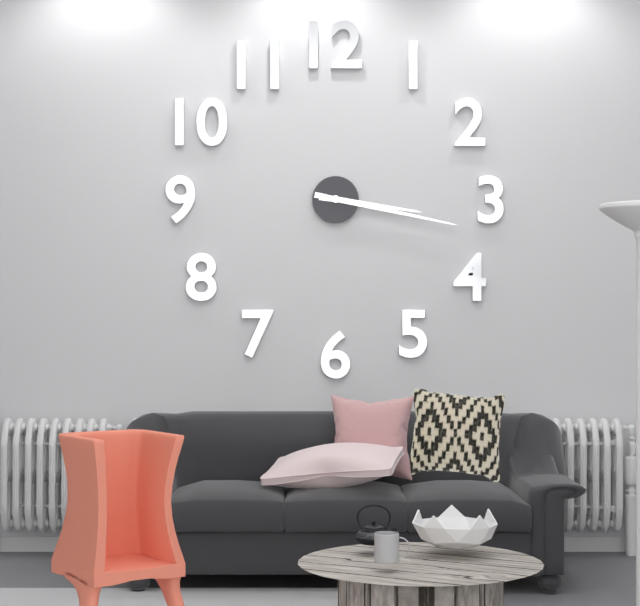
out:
3 h 17 min
